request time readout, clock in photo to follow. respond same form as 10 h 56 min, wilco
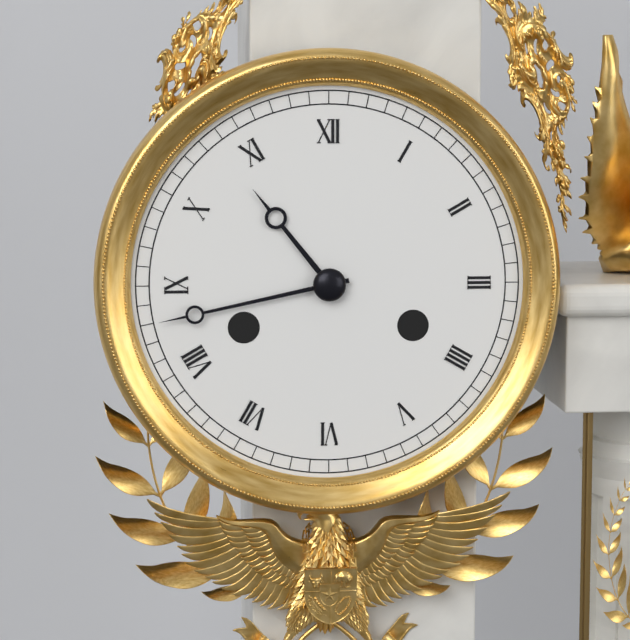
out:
10 h 43 min
